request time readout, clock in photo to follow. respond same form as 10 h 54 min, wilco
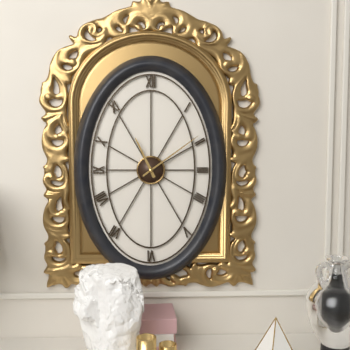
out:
11 h 09 min
